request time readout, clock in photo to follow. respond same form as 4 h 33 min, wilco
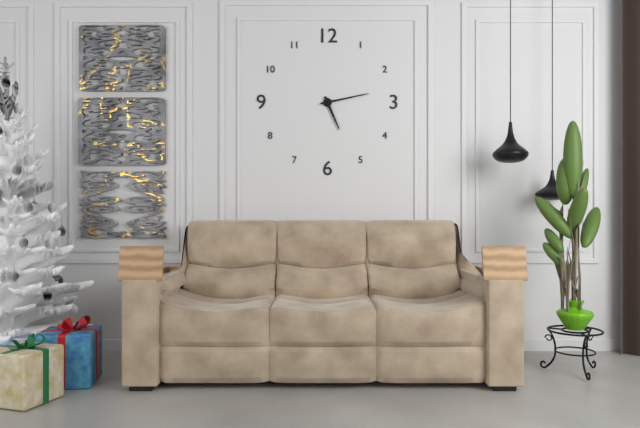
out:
5 h 13 min
